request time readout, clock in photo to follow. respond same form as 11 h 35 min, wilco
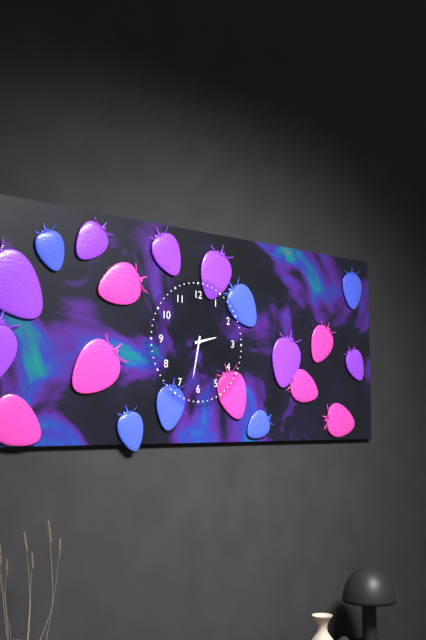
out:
2 h 32 min
